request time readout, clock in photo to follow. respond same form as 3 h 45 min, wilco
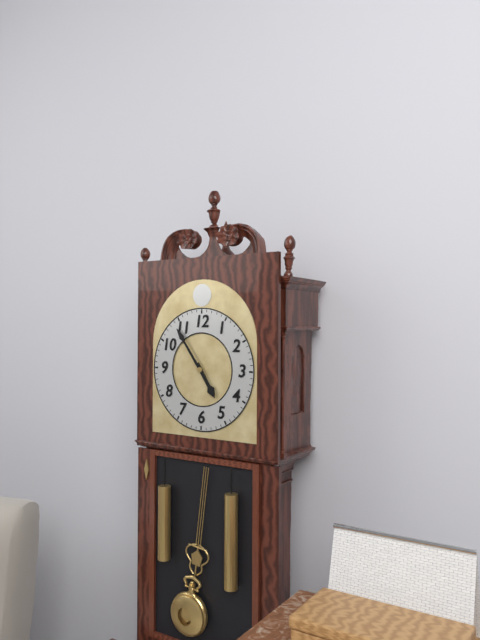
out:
4 h 54 min
